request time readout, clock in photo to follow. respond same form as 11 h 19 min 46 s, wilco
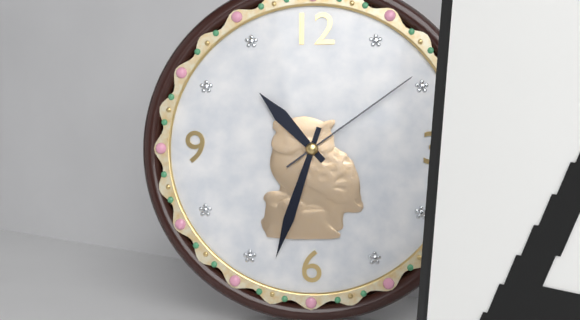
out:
10 h 33 min 09 s
